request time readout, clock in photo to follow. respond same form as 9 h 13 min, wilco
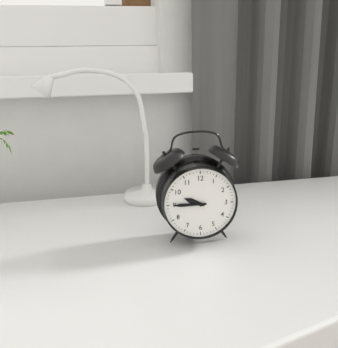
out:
9 h 45 min
